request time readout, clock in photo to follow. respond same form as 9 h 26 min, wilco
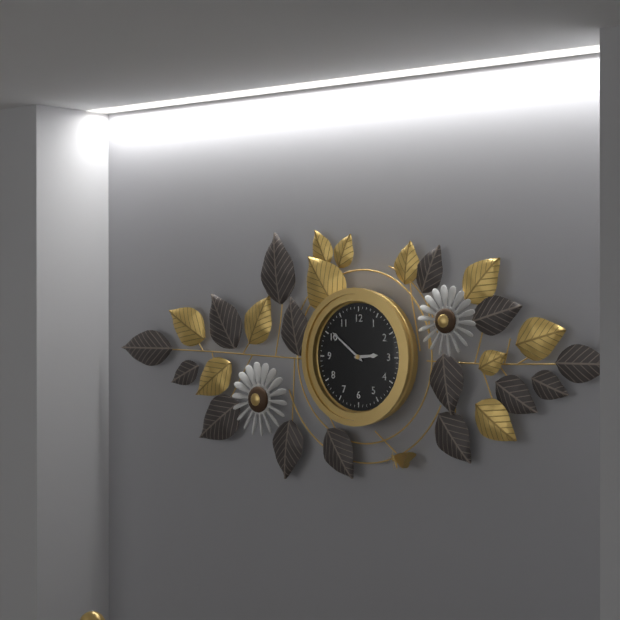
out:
2 h 51 min
